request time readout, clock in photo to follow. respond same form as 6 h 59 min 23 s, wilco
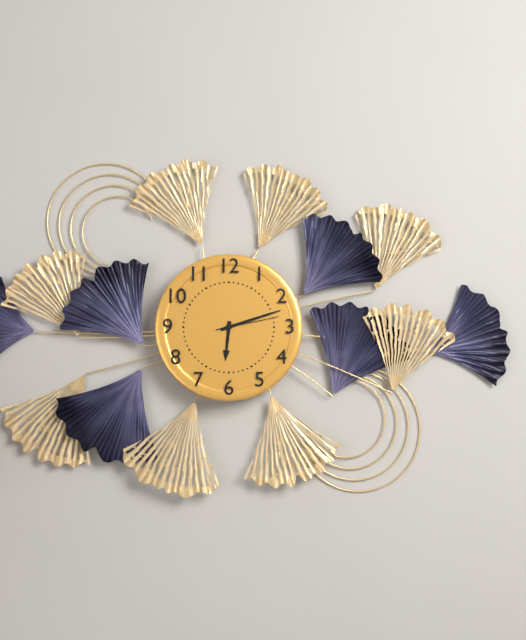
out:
6 h 12 min 13 s
